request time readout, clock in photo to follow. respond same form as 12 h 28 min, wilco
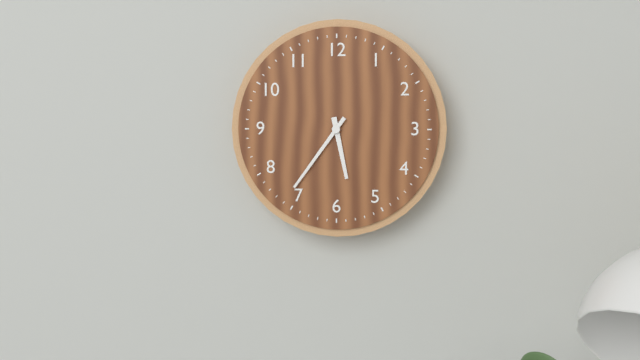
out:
5 h 36 min
